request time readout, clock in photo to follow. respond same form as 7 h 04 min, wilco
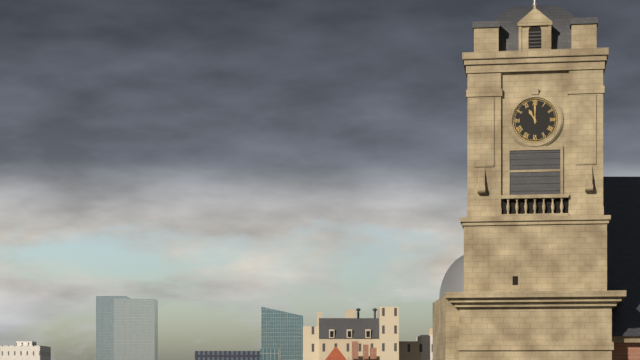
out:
11 h 00 min
